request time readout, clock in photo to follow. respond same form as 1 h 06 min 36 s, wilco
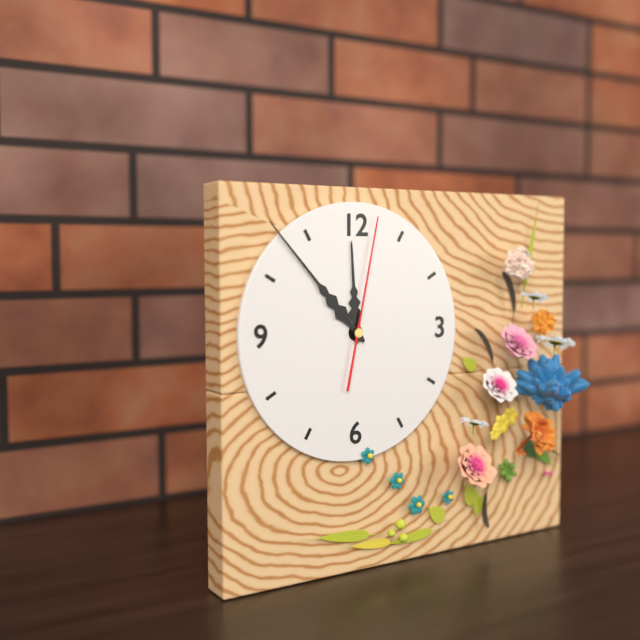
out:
11 h 53 min 02 s
